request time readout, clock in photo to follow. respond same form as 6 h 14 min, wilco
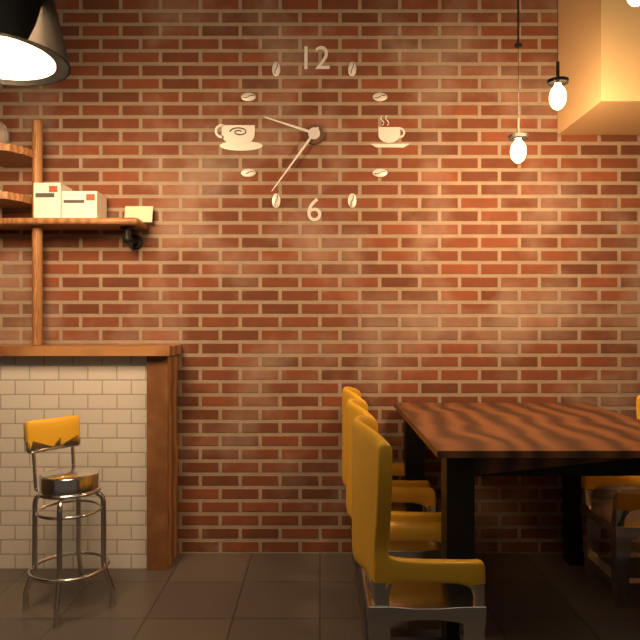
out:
9 h 36 min
